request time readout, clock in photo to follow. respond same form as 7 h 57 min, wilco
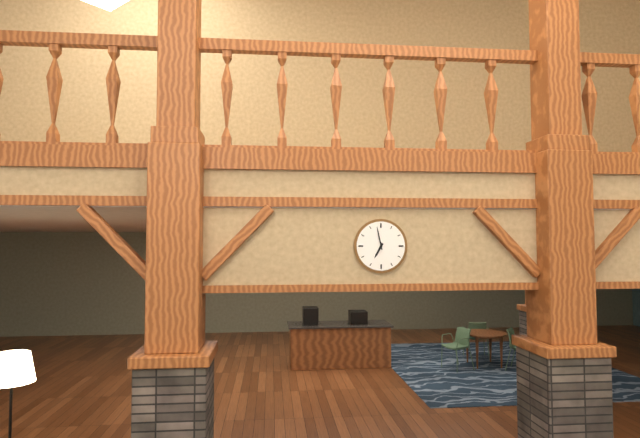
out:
6 h 58 min
